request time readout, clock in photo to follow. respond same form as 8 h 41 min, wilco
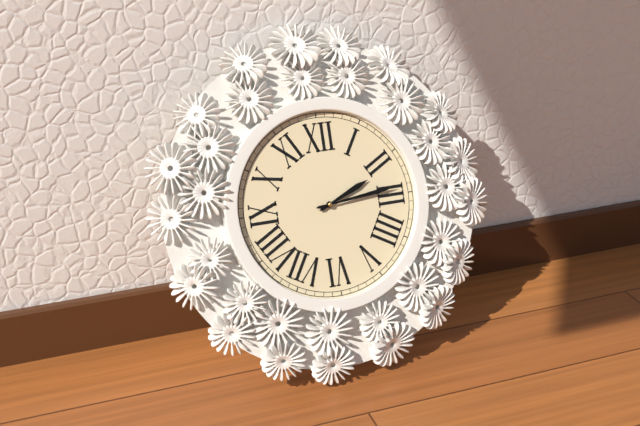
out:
2 h 14 min
